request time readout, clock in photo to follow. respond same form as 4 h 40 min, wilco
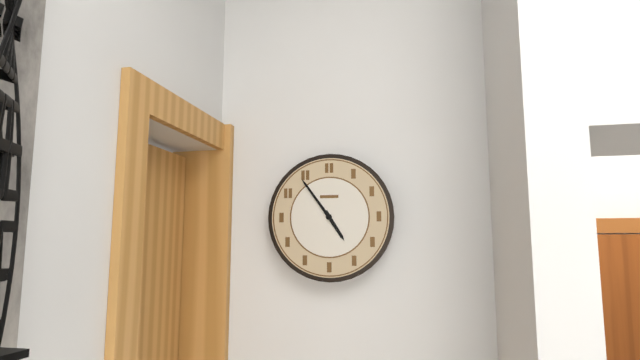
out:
4 h 54 min
